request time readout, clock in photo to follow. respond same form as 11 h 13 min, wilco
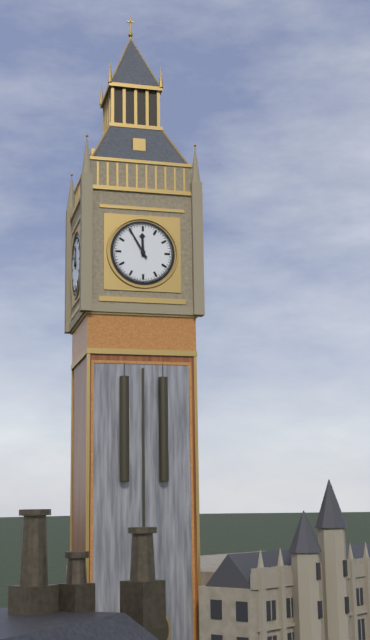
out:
11 h 55 min
